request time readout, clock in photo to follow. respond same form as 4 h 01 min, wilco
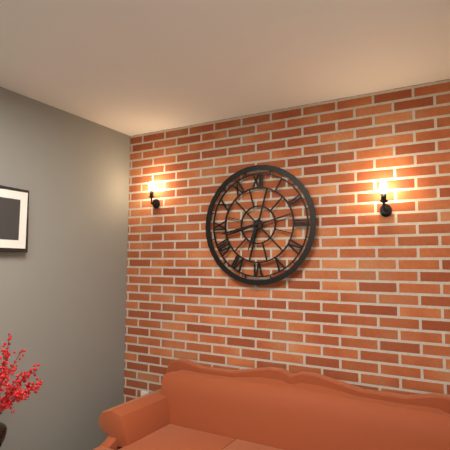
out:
6 h 43 min
